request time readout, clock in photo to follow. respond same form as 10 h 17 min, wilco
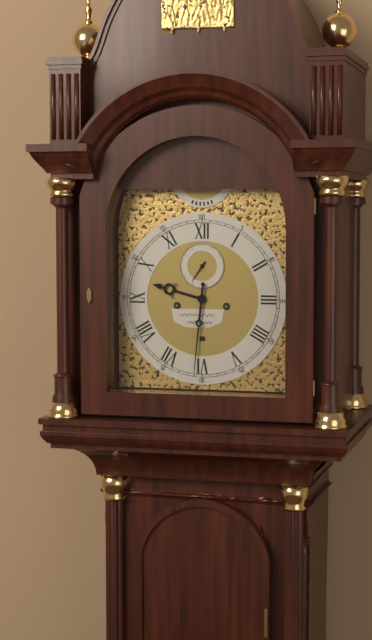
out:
9 h 31 min
